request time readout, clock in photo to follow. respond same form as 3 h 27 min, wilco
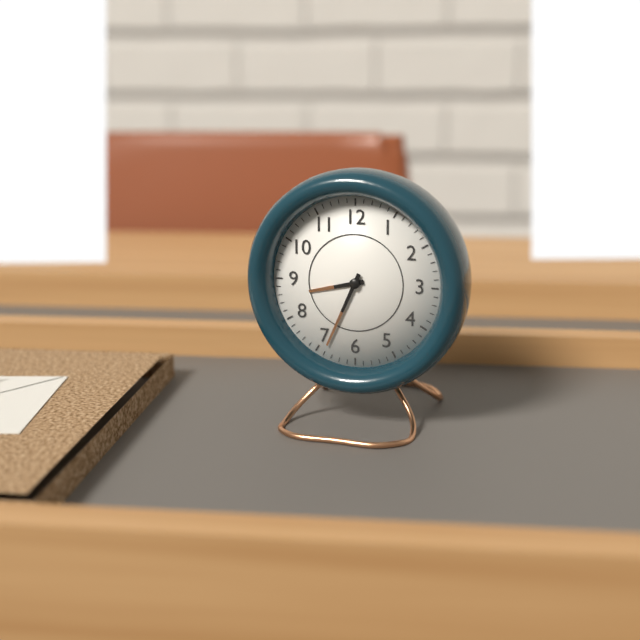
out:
8 h 34 min
